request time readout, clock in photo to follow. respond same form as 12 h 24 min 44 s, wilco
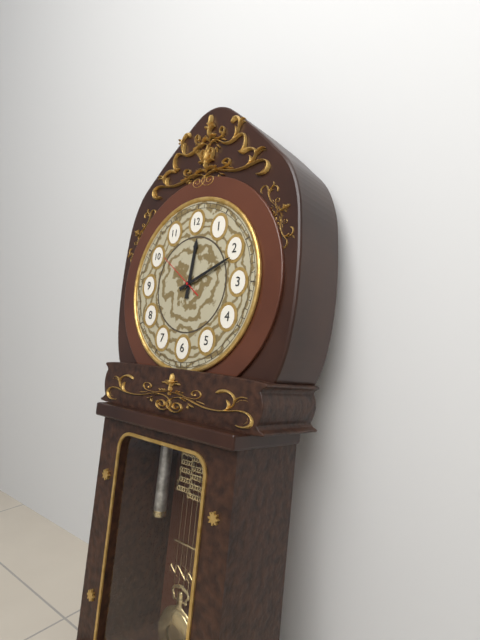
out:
12 h 11 min 51 s
